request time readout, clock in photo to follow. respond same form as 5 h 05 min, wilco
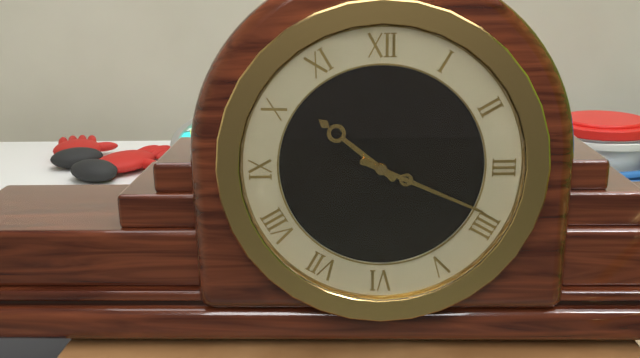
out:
10 h 19 min
